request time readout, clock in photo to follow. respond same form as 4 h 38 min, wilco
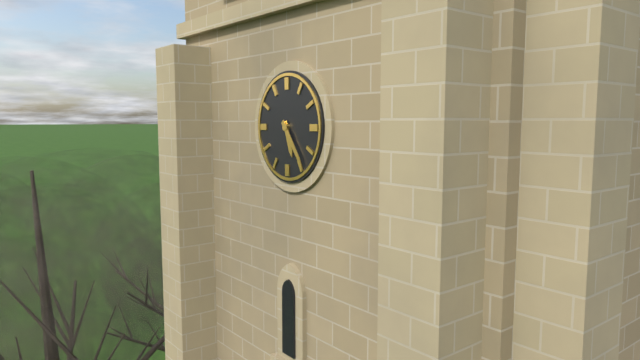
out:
5 h 24 min
